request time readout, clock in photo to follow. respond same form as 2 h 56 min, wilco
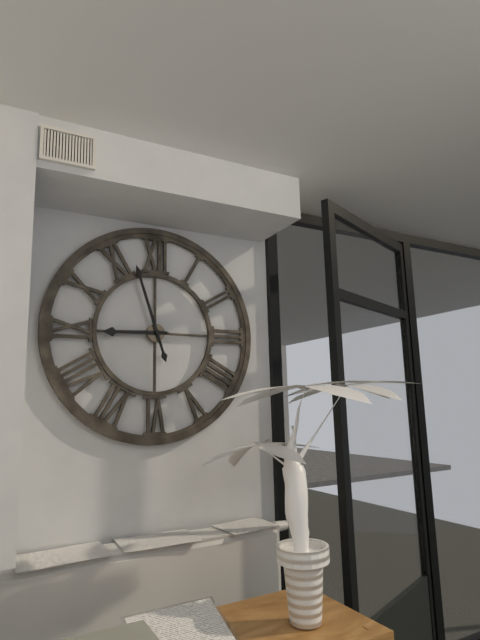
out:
8 h 57 min
